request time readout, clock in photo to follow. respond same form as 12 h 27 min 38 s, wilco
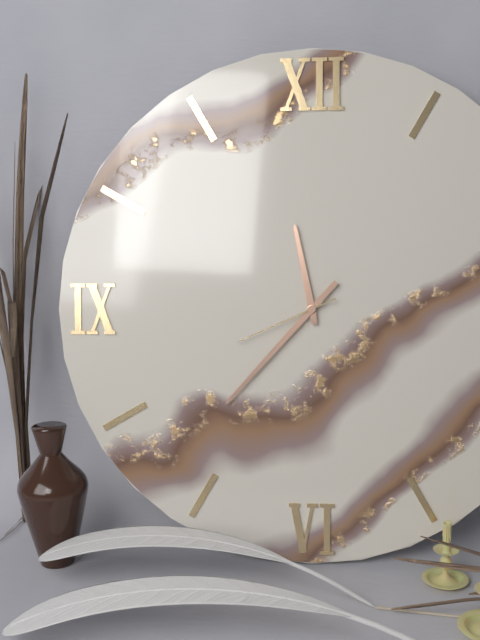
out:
11 h 37 min 41 s
